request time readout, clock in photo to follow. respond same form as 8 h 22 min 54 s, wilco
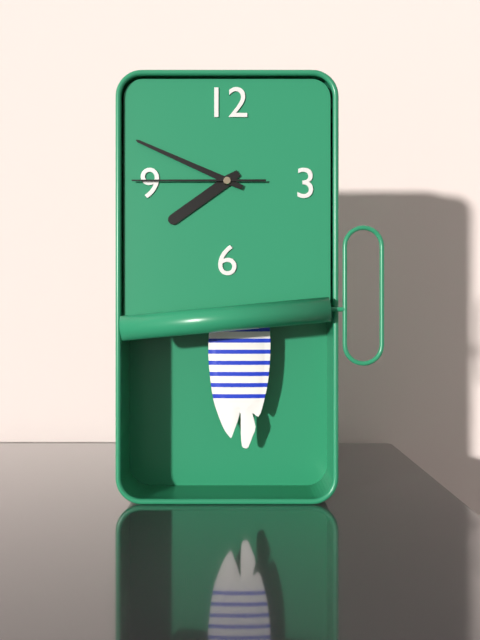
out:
7 h 49 min 45 s
